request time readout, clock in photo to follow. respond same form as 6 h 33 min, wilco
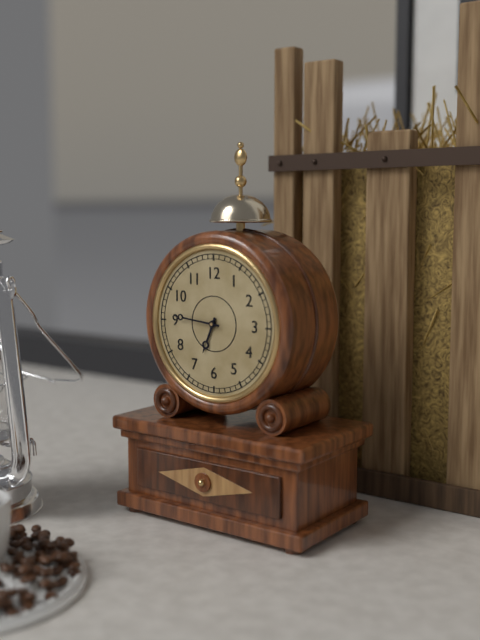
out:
6 h 46 min
